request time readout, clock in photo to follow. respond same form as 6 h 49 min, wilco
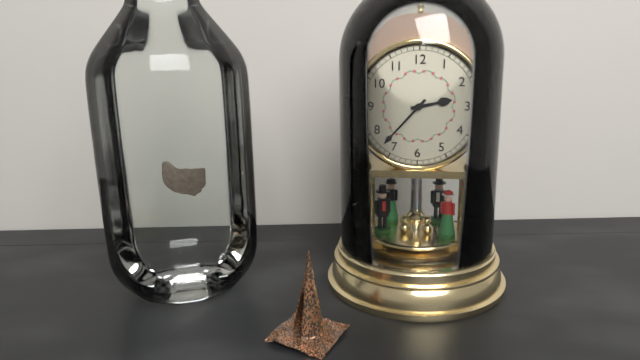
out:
2 h 37 min
